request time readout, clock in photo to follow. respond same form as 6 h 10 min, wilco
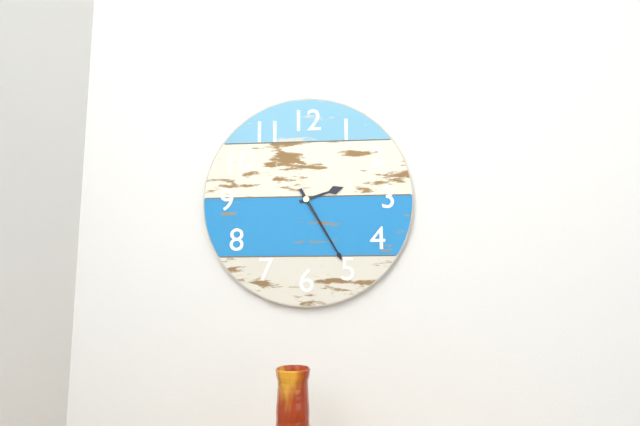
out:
2 h 25 min
